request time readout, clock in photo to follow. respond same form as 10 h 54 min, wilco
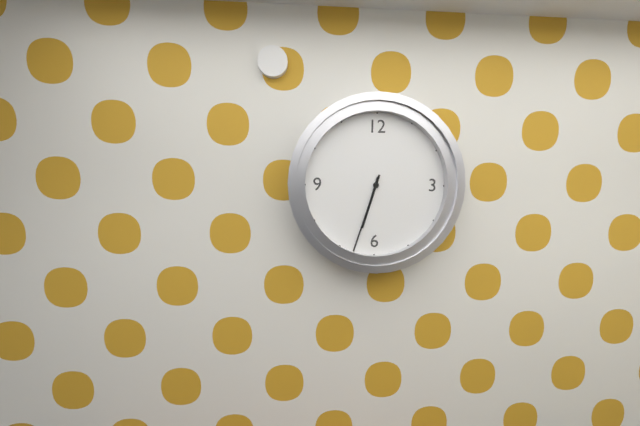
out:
6 h 33 min
